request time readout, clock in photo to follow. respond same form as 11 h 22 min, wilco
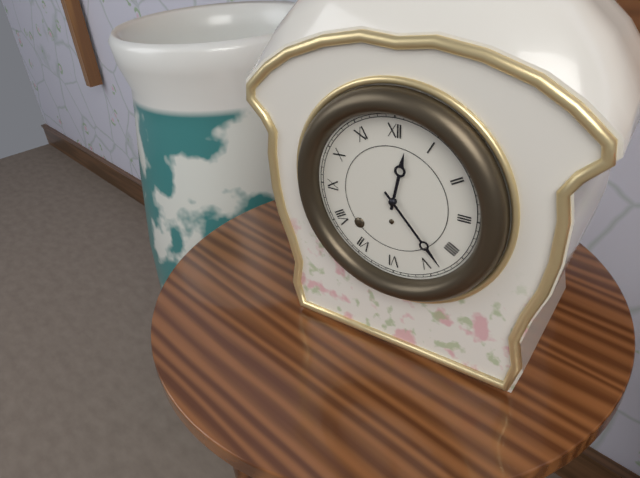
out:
12 h 23 min
